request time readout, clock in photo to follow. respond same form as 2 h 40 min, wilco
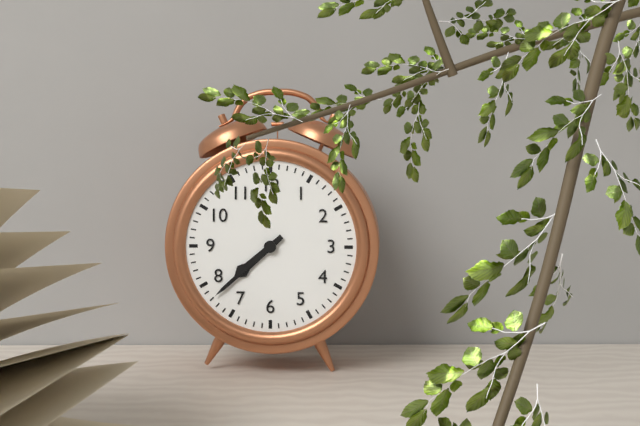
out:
7 h 38 min
